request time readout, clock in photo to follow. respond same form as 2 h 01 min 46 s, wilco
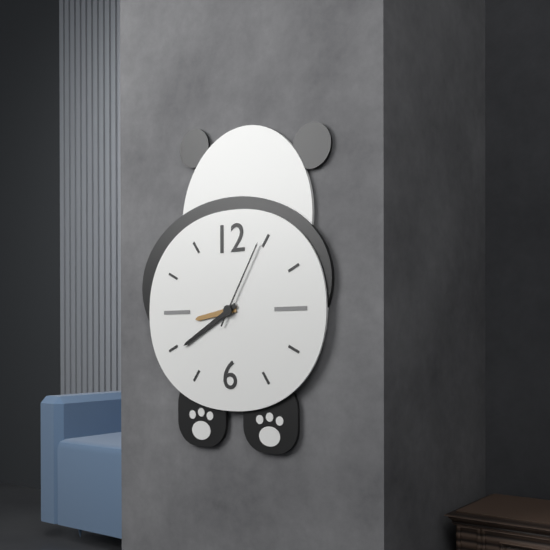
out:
8 h 40 min 05 s
